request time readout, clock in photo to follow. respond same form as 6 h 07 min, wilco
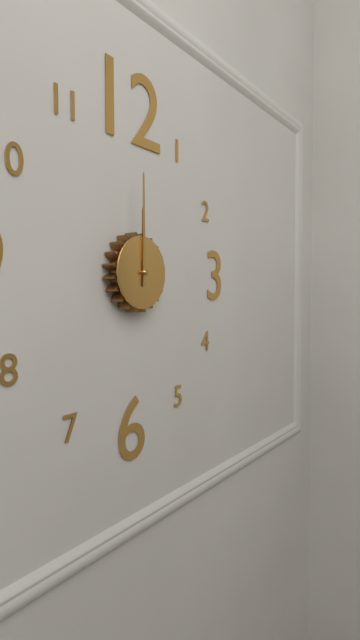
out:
12 h 00 min
